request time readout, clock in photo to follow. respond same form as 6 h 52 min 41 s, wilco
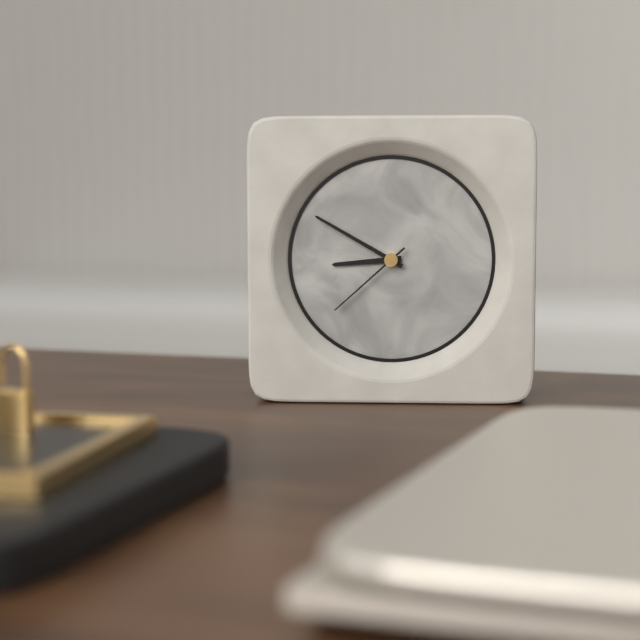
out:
8 h 50 min 38 s
